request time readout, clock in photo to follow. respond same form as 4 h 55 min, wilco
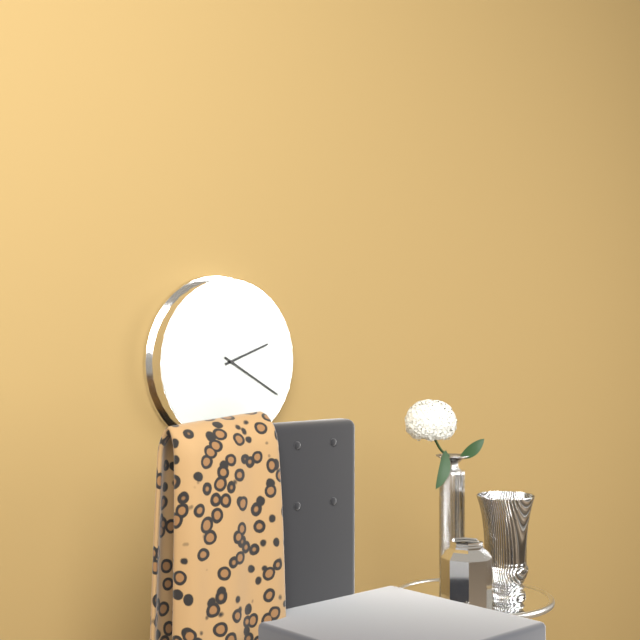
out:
2 h 20 min
